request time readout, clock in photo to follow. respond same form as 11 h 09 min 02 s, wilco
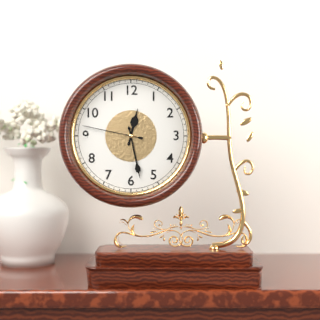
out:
12 h 28 min 47 s
